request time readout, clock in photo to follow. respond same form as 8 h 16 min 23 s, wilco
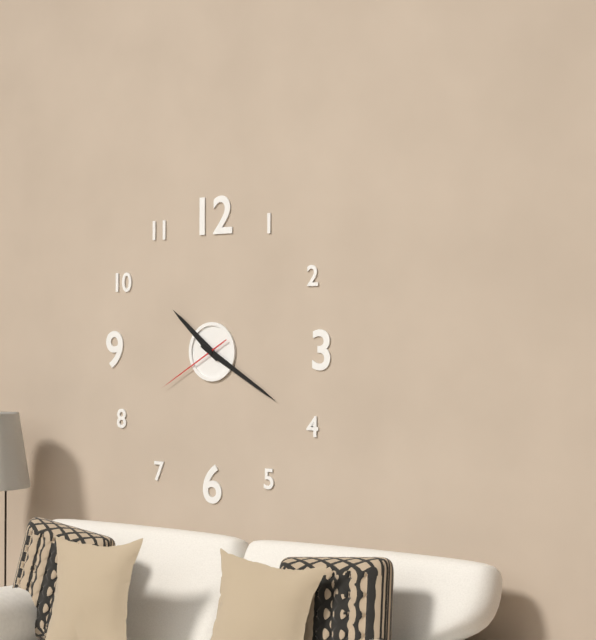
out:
10 h 20 min 40 s
